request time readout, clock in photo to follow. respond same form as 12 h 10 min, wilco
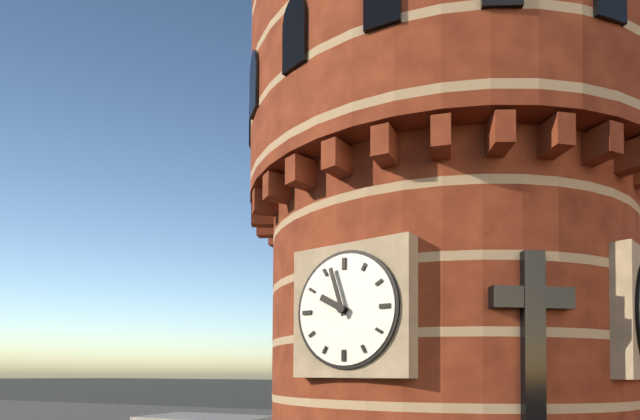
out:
9 h 57 min
